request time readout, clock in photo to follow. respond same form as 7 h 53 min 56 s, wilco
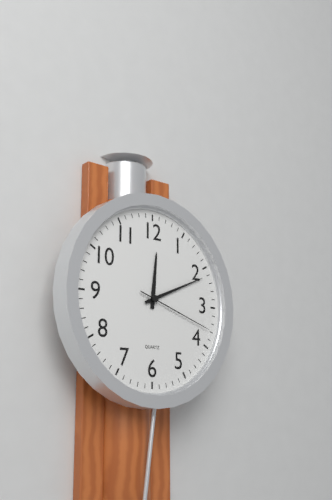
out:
12 h 11 min 18 s
